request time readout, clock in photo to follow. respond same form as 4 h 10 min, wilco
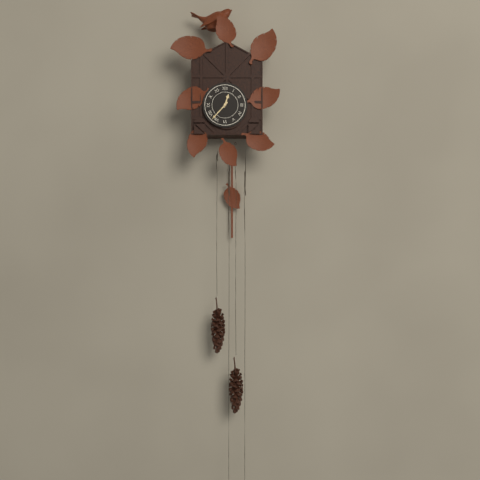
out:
12 h 37 min
